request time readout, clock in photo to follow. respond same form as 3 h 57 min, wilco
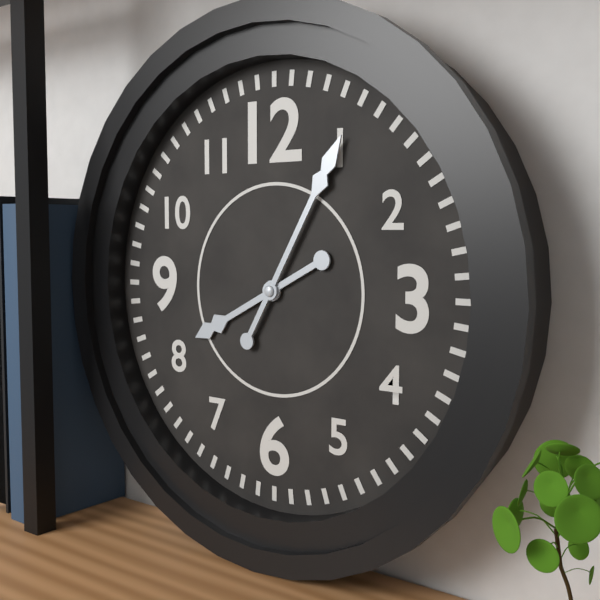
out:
8 h 05 min
